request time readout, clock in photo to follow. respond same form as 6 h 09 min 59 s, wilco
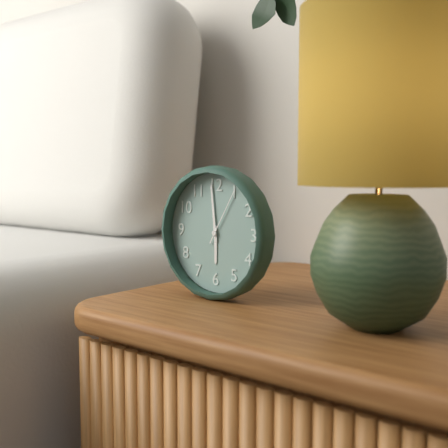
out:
5 h 59 min 05 s
